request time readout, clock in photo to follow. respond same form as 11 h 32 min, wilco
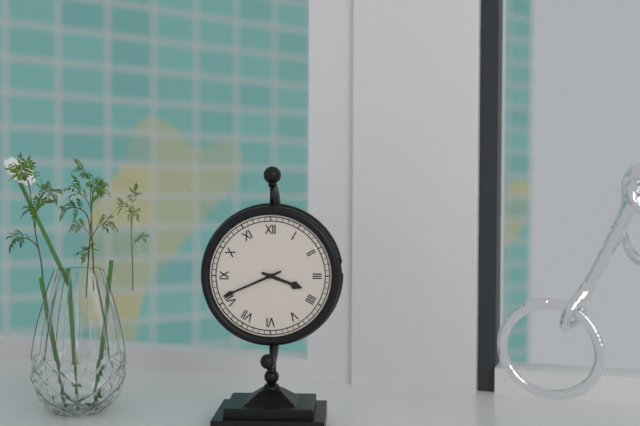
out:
3 h 41 min
